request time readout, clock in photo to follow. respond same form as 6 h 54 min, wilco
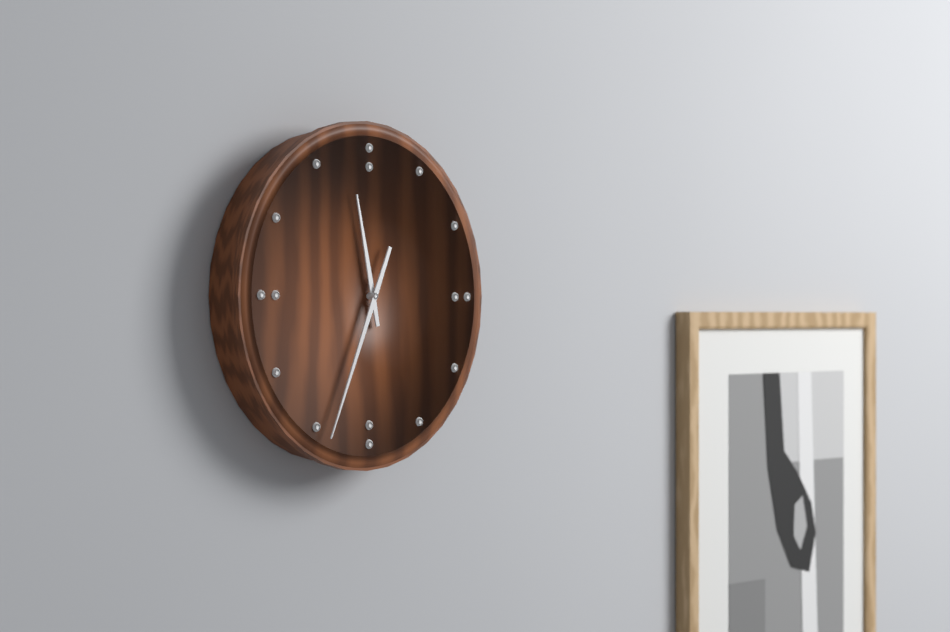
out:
11 h 34 min
